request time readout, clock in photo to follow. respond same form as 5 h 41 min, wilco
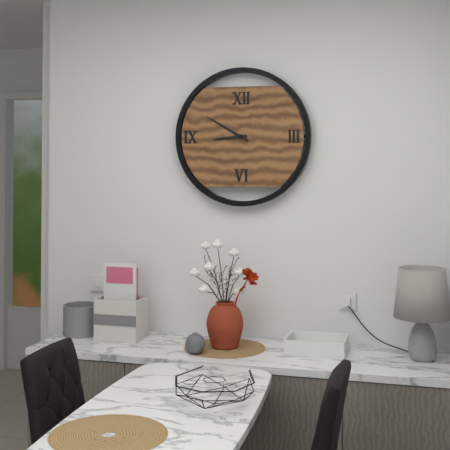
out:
8 h 50 min
